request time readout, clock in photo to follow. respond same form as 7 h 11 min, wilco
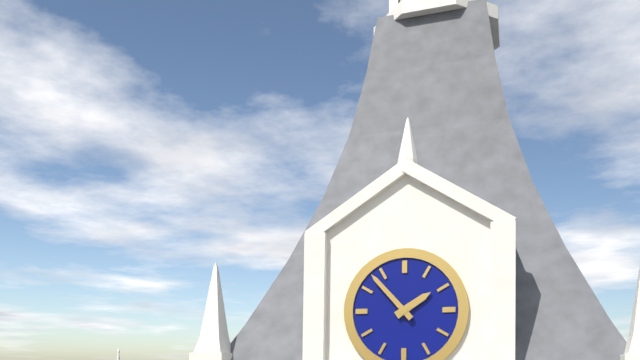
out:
1 h 53 min
